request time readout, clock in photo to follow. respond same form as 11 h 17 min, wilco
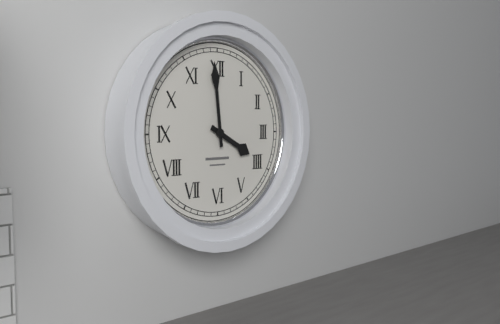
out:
3 h 59 min
